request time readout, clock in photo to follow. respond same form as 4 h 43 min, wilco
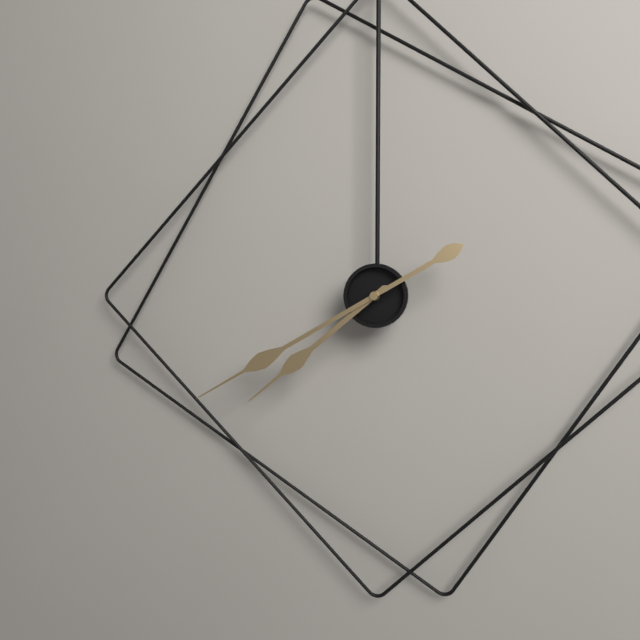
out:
7 h 40 min
